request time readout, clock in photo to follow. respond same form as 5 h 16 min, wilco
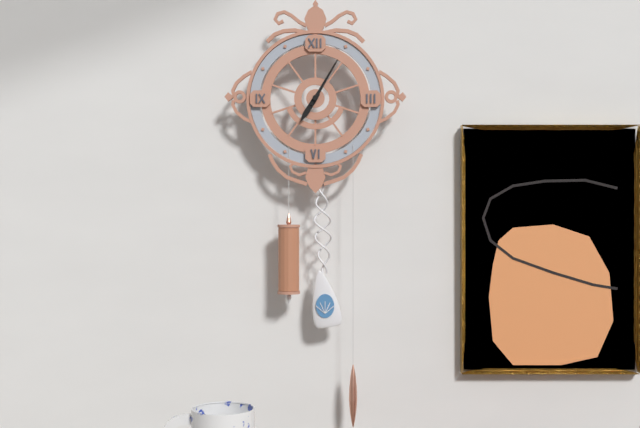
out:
7 h 05 min
